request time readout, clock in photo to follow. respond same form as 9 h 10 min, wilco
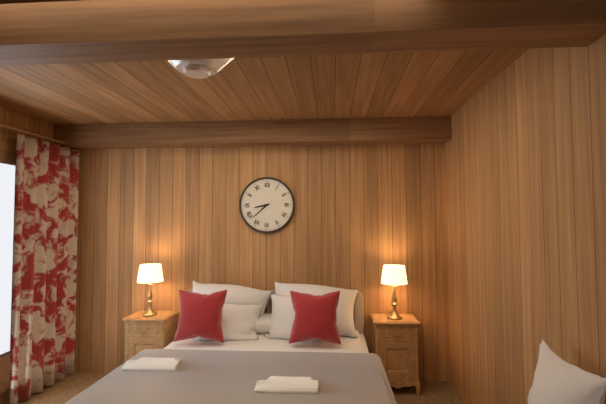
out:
8 h 38 min
